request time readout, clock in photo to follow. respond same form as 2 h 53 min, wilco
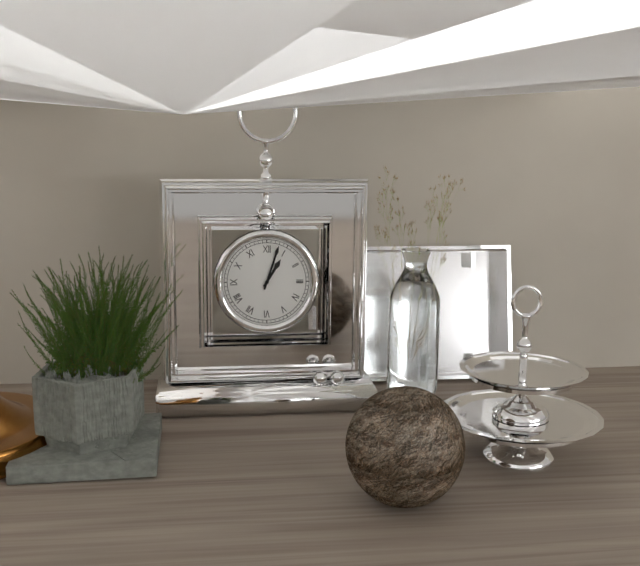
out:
1 h 03 min
